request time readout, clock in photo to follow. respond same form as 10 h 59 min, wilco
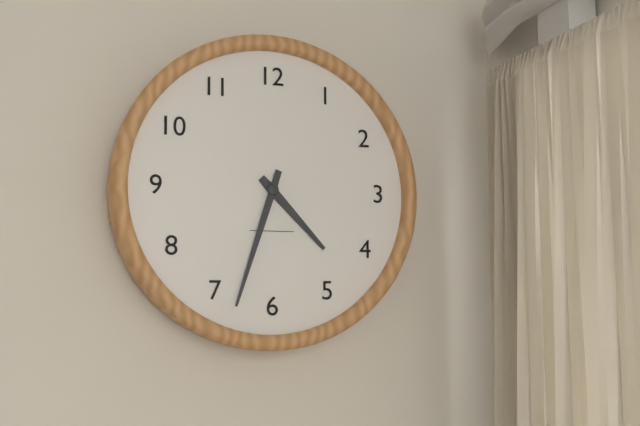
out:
4 h 33 min
